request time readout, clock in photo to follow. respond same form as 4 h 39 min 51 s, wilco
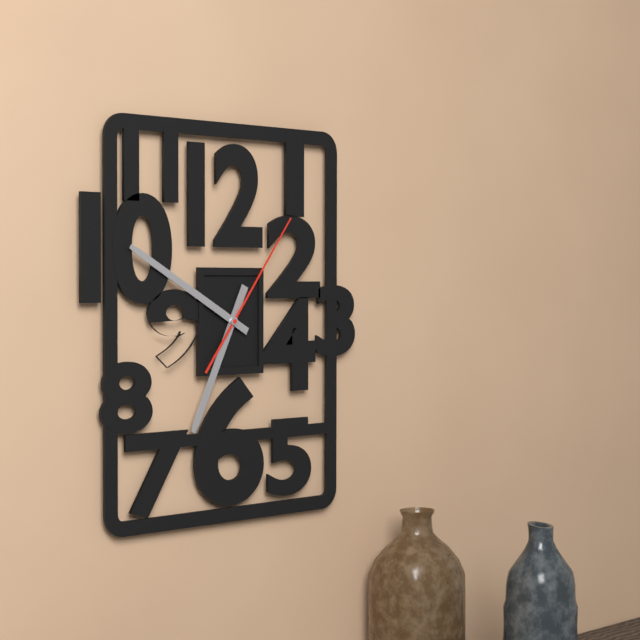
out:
6 h 50 min 06 s
